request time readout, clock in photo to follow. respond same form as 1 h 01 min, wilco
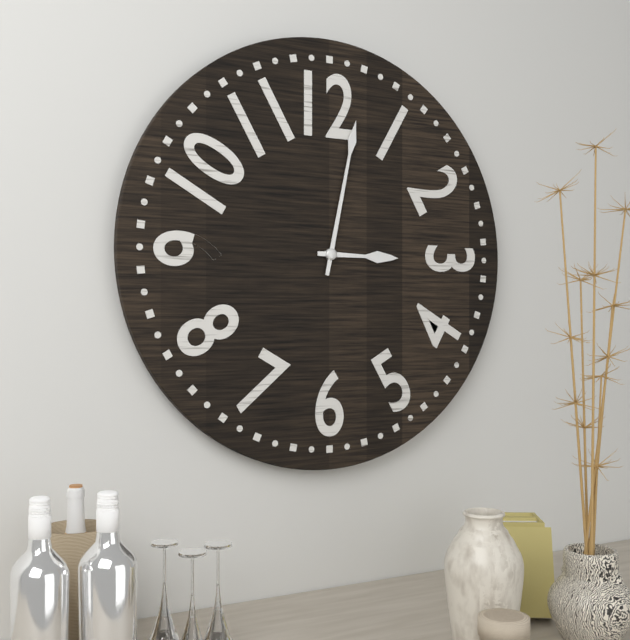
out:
3 h 02 min
